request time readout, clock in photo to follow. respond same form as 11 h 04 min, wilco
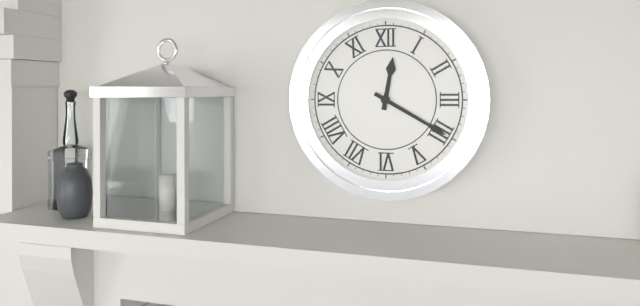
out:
12 h 20 min
